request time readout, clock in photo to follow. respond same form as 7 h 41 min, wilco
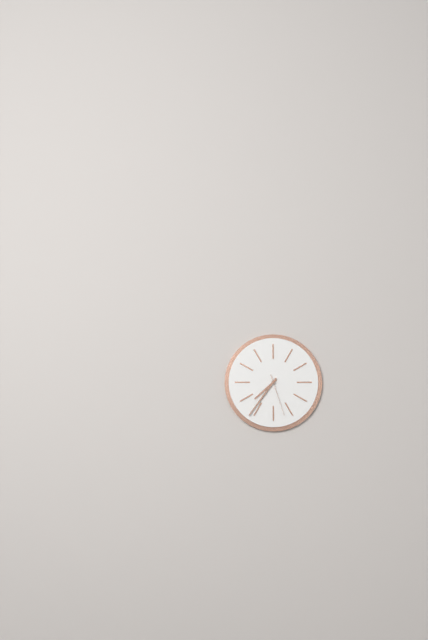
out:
7 h 36 min
